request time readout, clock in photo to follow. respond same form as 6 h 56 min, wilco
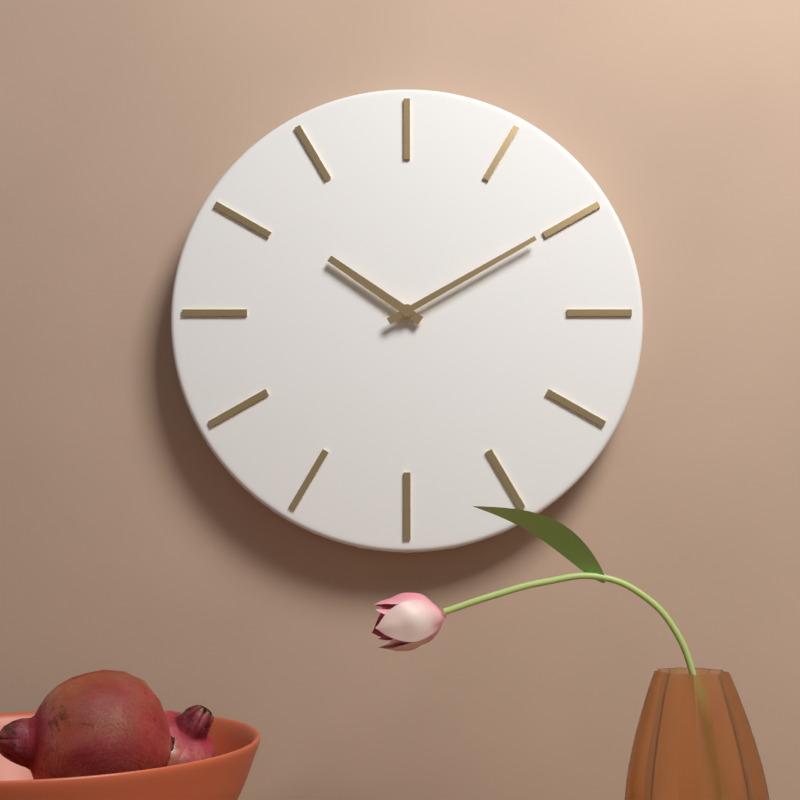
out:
10 h 10 min
